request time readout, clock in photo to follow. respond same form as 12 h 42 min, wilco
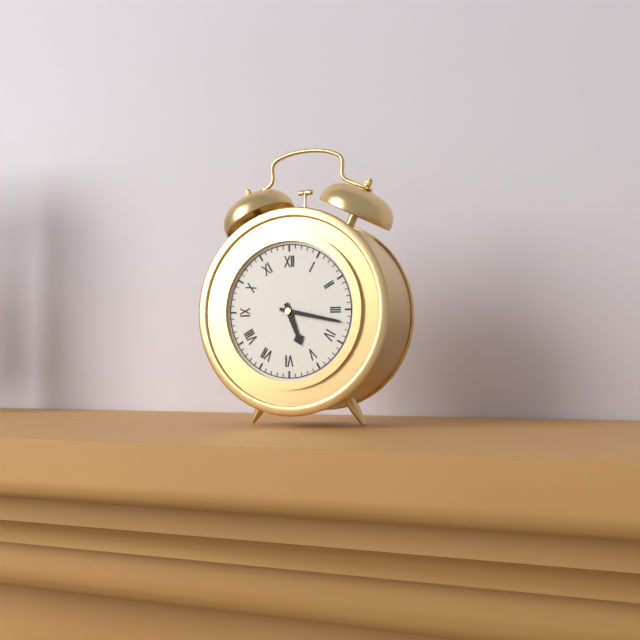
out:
5 h 17 min
